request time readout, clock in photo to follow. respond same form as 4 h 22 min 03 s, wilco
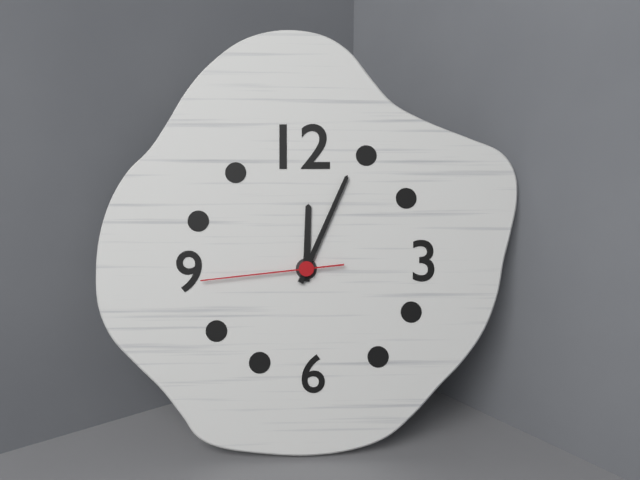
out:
12 h 04 min 44 s
